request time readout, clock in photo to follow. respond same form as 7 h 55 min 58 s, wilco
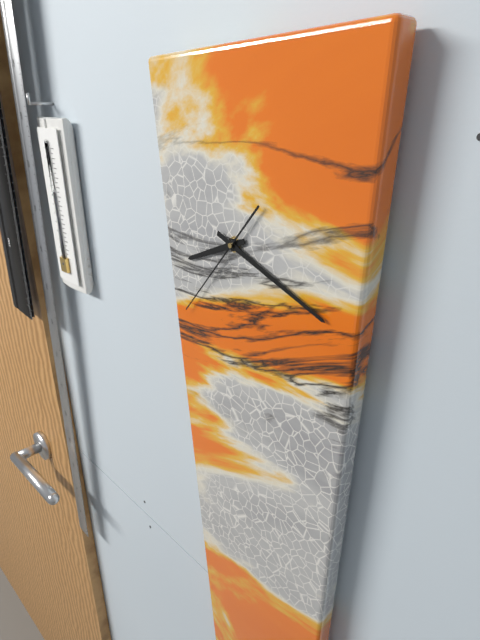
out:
8 h 19 min 37 s
